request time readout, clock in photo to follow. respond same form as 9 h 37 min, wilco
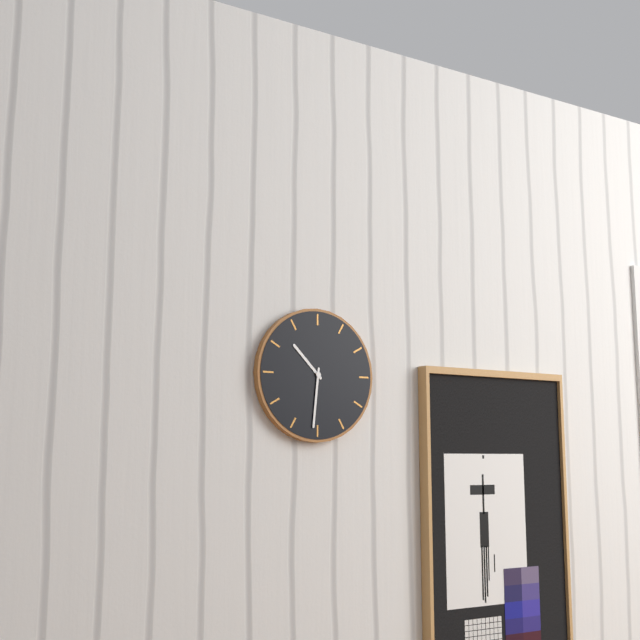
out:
10 h 31 min
